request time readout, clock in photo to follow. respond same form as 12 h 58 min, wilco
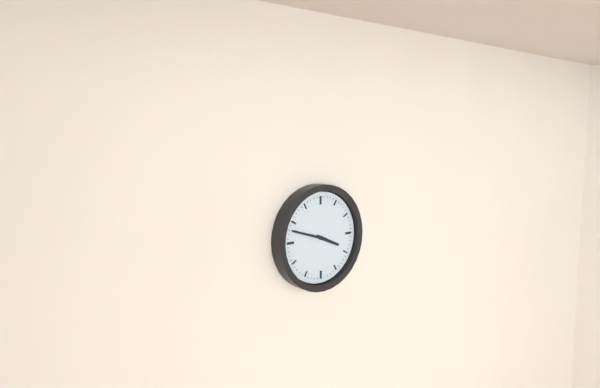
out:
3 h 48 min
